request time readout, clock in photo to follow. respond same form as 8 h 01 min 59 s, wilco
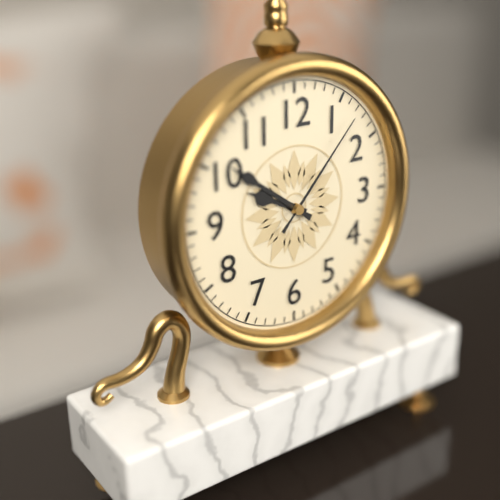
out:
9 h 51 min 07 s
